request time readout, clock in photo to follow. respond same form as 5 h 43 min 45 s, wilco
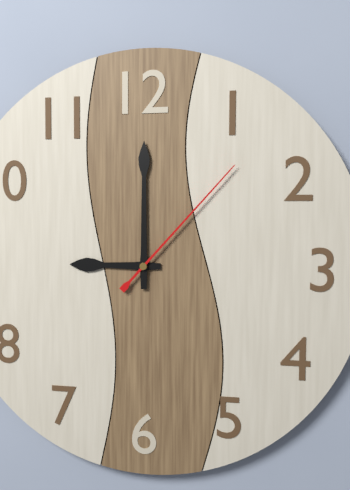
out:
9 h 00 min 07 s
